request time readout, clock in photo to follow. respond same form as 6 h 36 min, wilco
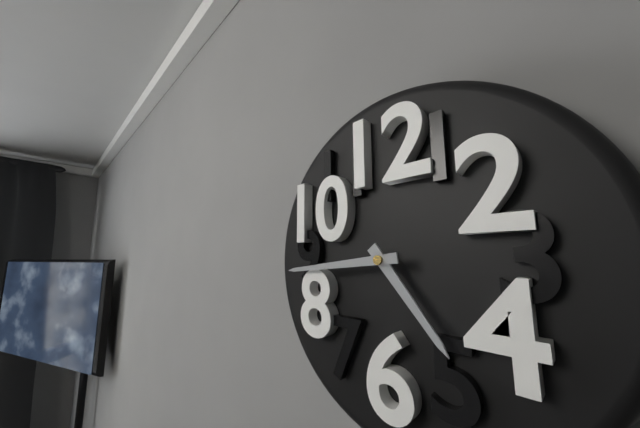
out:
4 h 44 min
